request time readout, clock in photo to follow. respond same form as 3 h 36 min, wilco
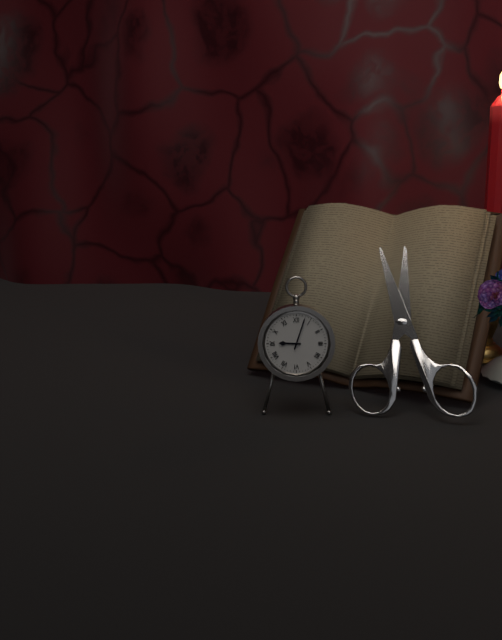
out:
9 h 03 min
